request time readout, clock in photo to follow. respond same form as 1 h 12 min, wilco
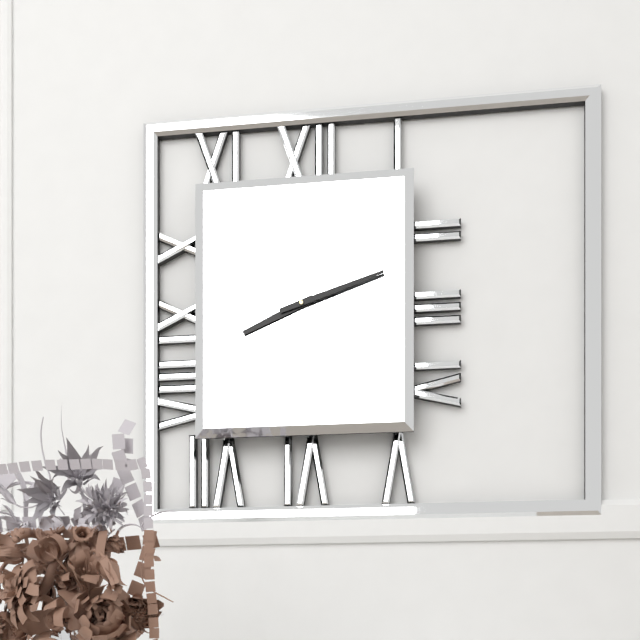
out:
8 h 12 min
